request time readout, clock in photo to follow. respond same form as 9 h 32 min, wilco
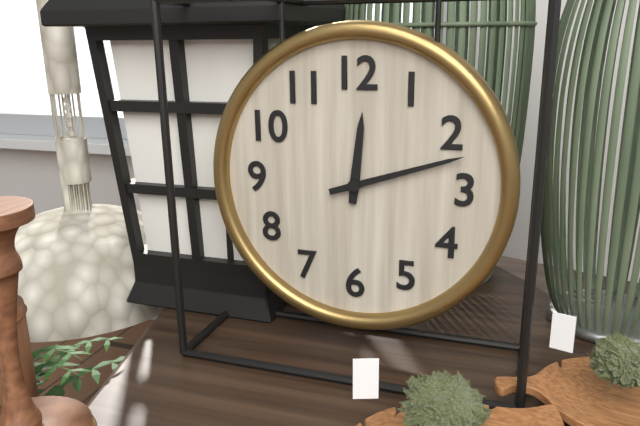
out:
12 h 12 min
